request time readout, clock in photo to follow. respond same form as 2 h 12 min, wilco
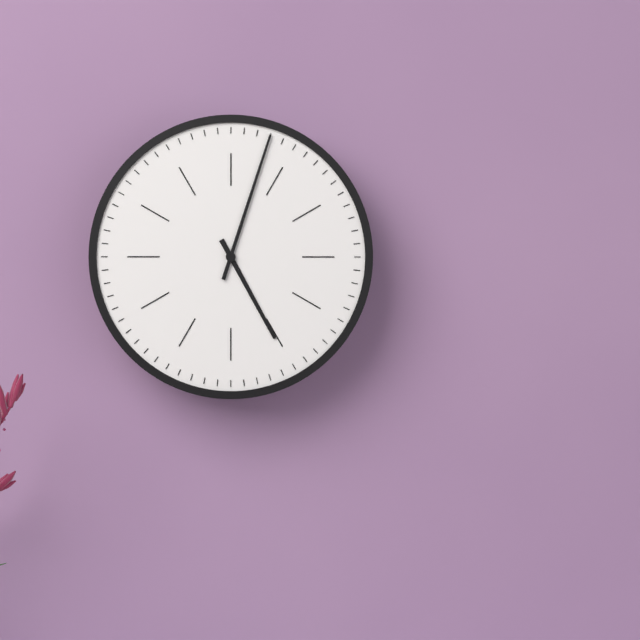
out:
5 h 03 min
